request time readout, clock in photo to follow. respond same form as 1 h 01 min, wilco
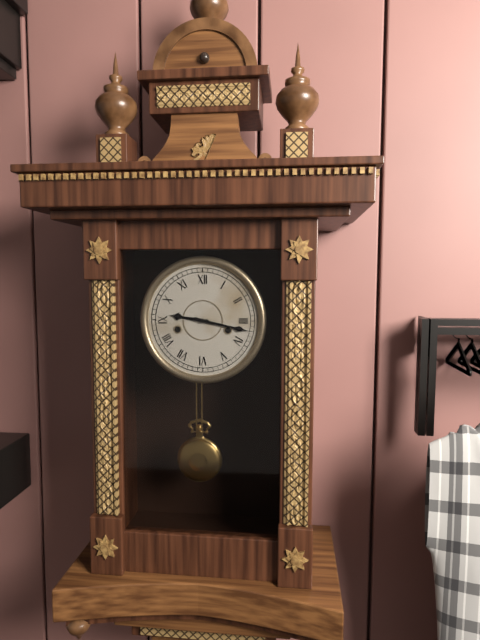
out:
9 h 17 min
